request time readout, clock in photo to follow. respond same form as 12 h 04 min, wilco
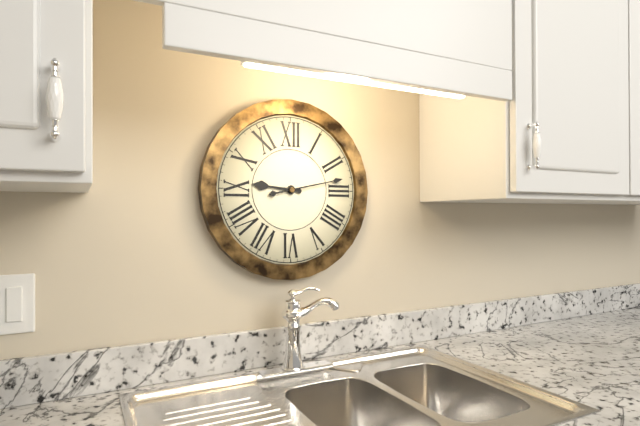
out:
9 h 13 min
